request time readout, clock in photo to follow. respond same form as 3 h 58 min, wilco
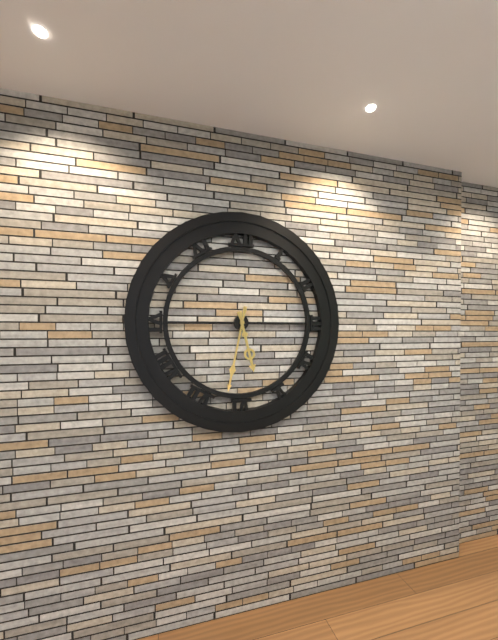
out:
5 h 32 min
